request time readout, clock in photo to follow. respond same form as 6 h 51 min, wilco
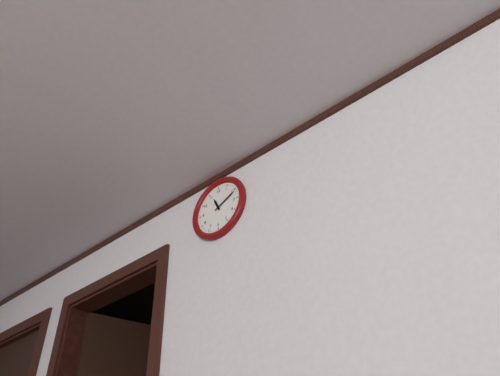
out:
11 h 11 min
